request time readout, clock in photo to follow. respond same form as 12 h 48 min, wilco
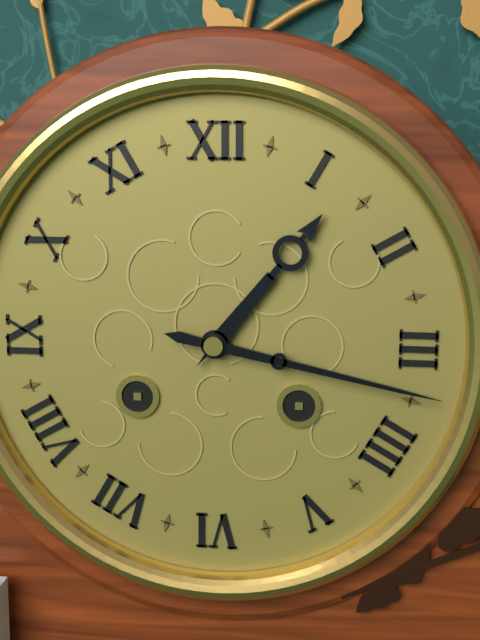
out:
1 h 17 min
